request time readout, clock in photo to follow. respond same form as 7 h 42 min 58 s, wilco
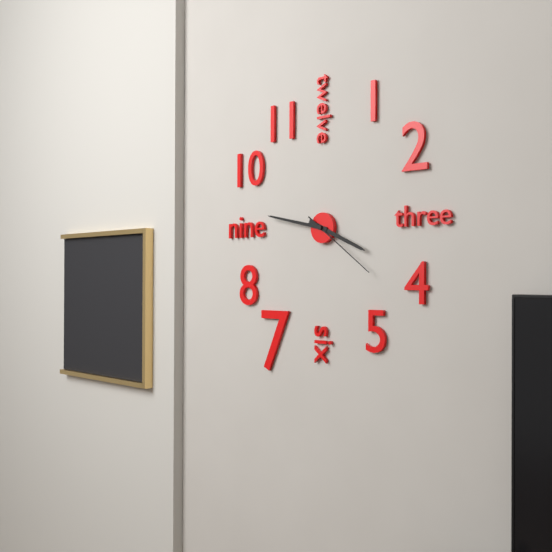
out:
3 h 47 min 21 s
